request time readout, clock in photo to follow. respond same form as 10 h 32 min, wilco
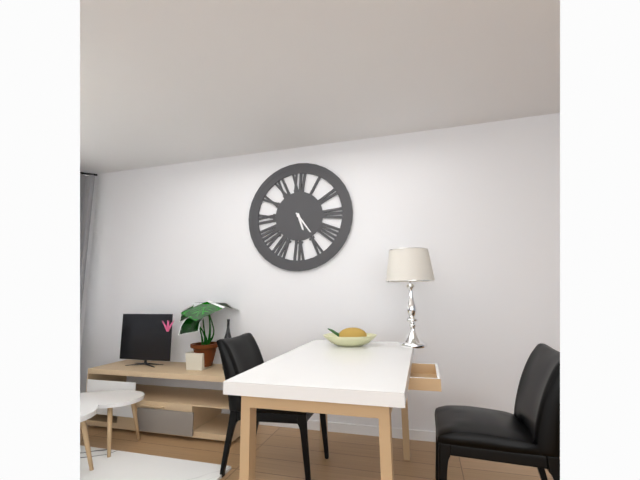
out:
5 h 24 min
